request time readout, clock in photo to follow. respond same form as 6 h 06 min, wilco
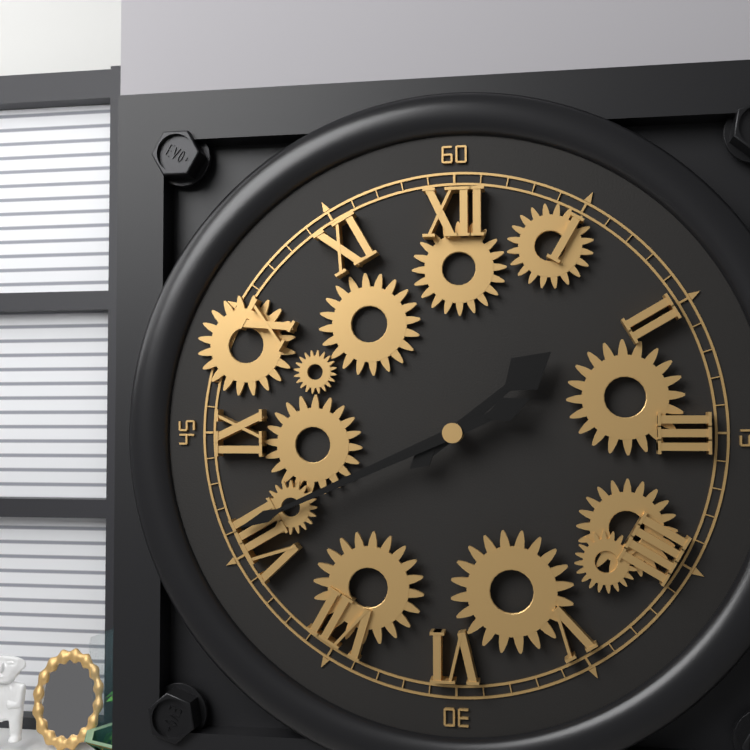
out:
1 h 41 min
